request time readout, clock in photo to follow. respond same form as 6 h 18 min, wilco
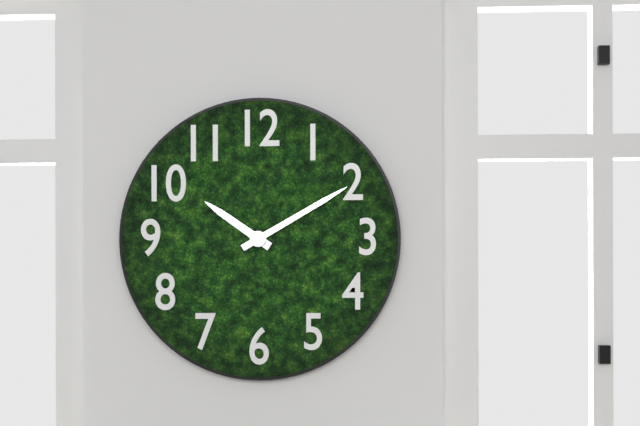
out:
10 h 10 min
